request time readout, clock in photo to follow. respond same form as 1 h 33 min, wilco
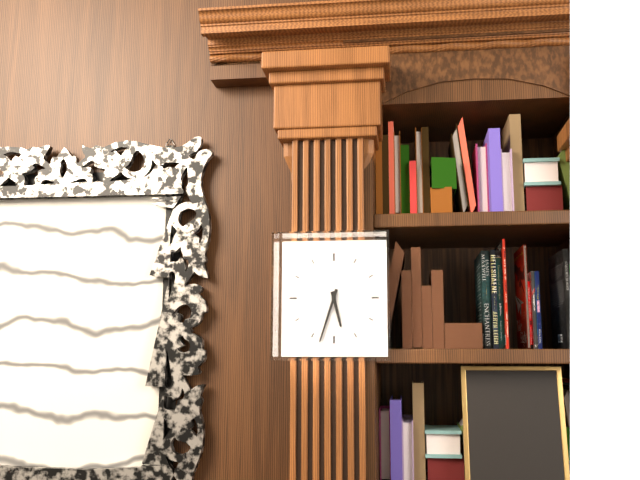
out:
5 h 33 min
